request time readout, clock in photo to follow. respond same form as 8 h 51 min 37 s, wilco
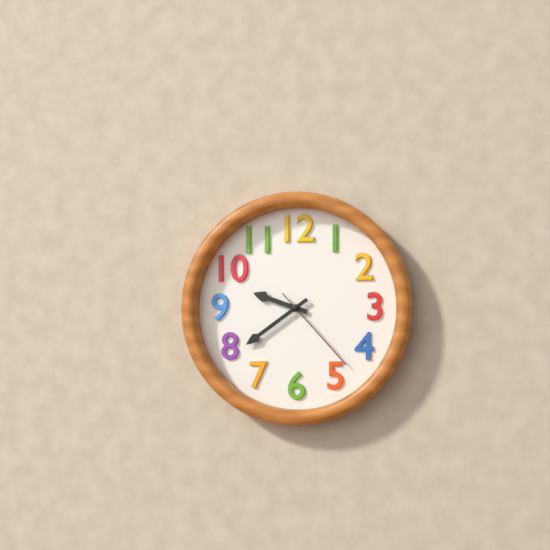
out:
9 h 39 min 23 s
